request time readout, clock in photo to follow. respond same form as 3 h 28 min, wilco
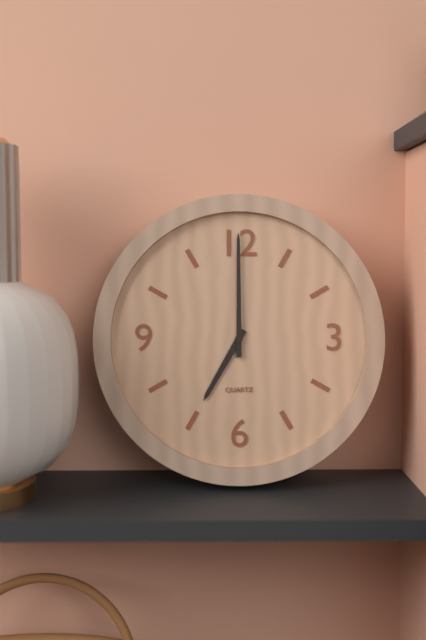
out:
7 h 00 min
